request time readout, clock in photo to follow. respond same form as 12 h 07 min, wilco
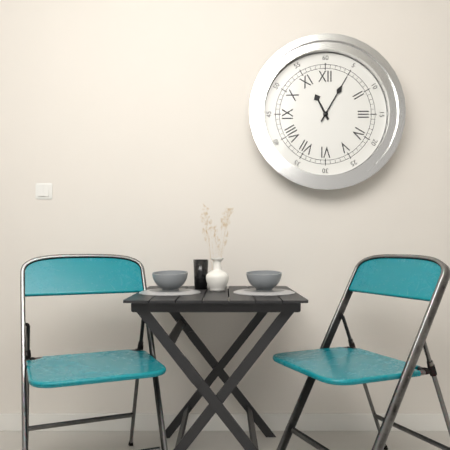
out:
11 h 05 min
